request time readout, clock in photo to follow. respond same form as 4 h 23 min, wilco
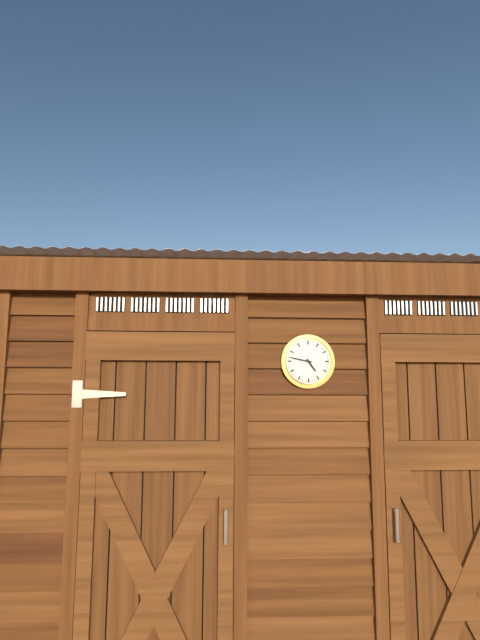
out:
4 h 47 min
